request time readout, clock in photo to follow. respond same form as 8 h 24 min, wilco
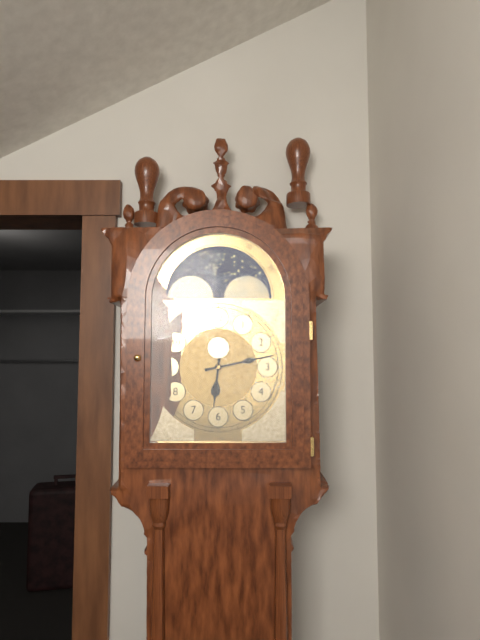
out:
6 h 13 min
